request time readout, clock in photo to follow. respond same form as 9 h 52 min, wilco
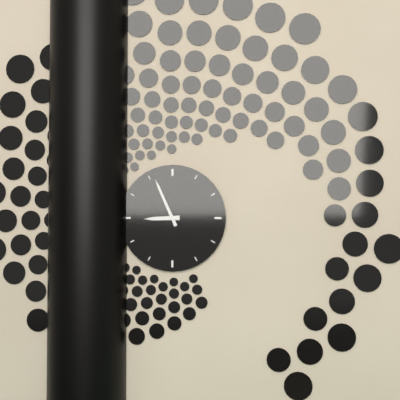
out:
8 h 56 min
